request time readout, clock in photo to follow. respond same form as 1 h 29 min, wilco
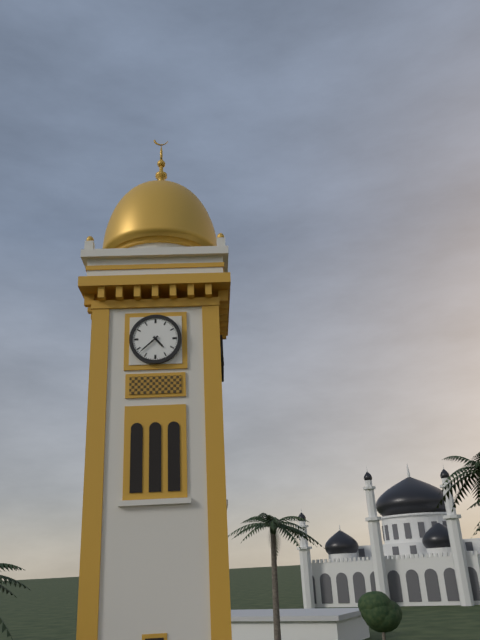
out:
4 h 38 min
